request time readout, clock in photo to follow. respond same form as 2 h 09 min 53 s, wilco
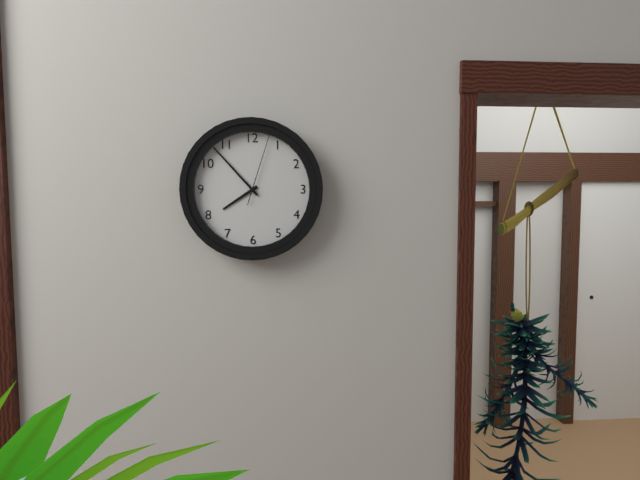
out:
7 h 53 min 03 s
